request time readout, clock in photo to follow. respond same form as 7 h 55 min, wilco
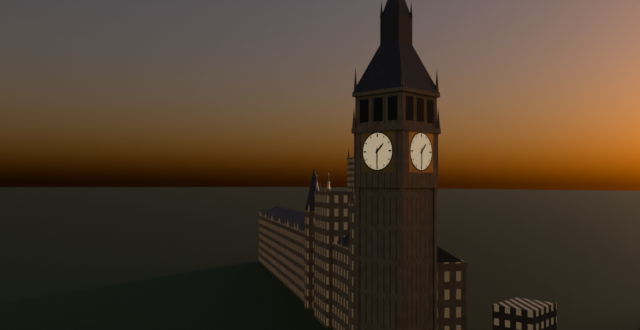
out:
1 h 30 min
